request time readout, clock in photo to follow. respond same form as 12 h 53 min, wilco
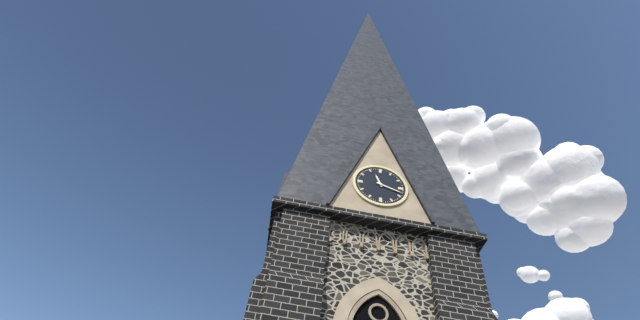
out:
11 h 18 min
